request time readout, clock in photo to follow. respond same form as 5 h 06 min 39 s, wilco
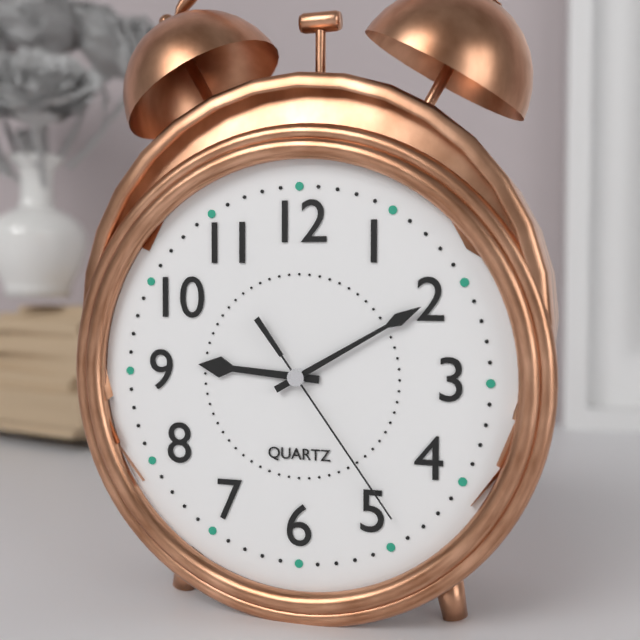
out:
9 h 10 min 24 s
